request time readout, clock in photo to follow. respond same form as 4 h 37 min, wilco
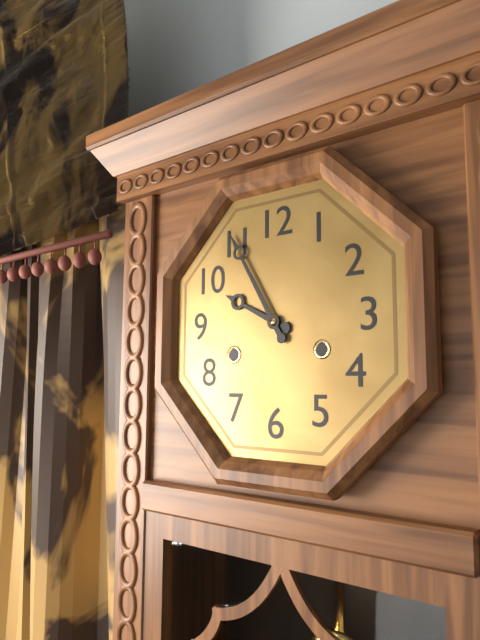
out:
9 h 55 min
